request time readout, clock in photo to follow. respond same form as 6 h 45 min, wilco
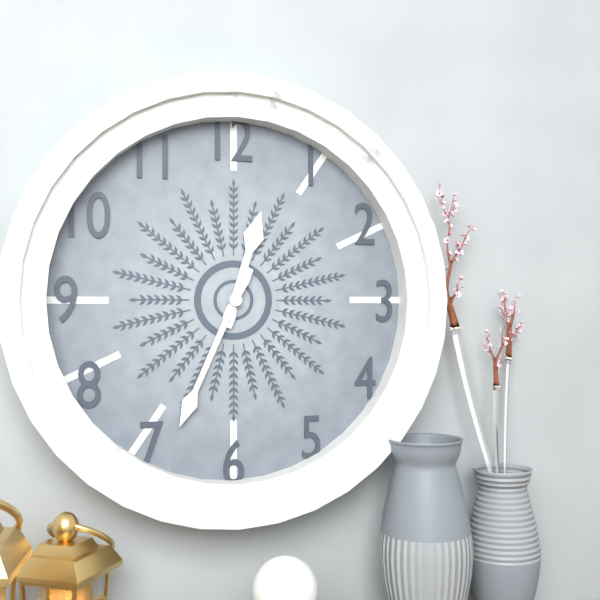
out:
12 h 34 min
